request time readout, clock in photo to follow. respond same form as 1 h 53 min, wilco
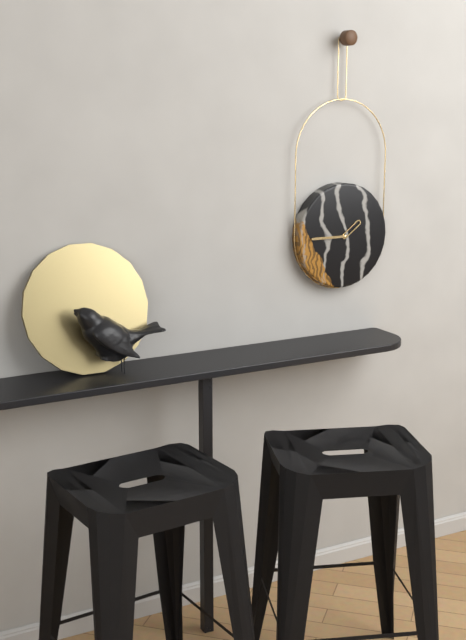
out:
1 h 45 min
